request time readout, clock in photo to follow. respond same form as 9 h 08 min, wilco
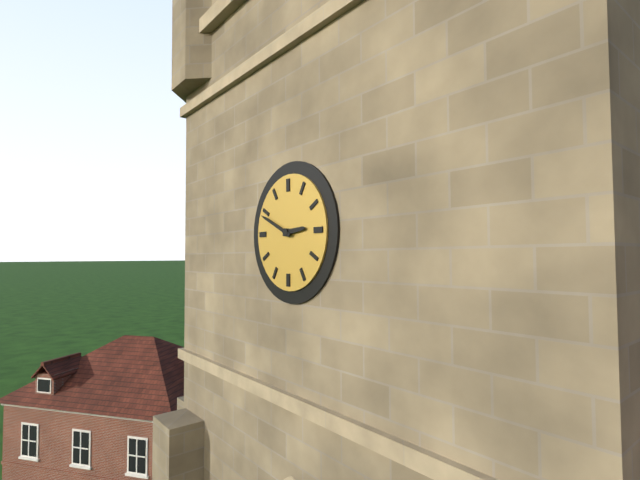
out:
2 h 49 min
